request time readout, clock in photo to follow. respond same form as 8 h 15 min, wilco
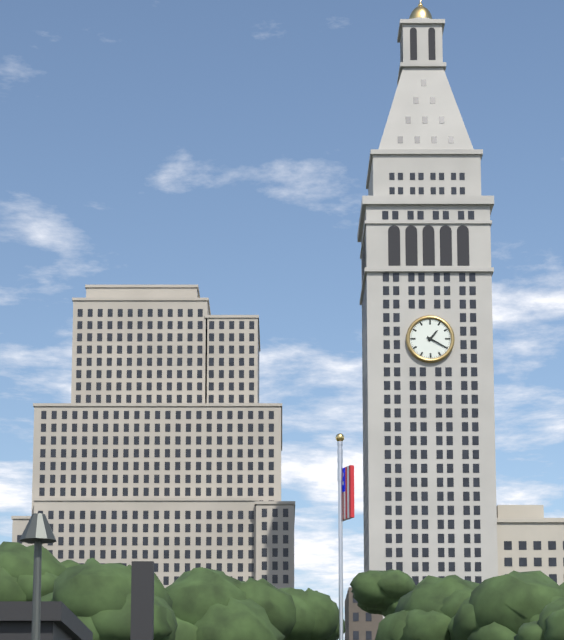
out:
1 h 20 min
